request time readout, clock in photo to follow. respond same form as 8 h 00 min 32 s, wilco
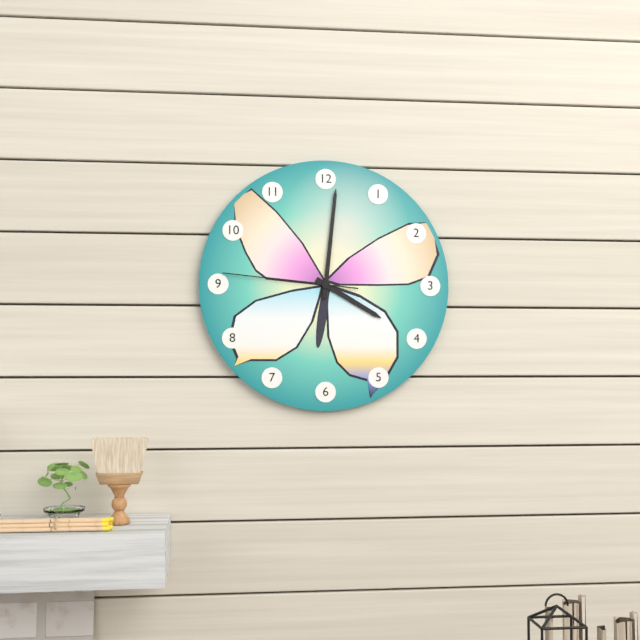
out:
4 h 01 min 46 s
